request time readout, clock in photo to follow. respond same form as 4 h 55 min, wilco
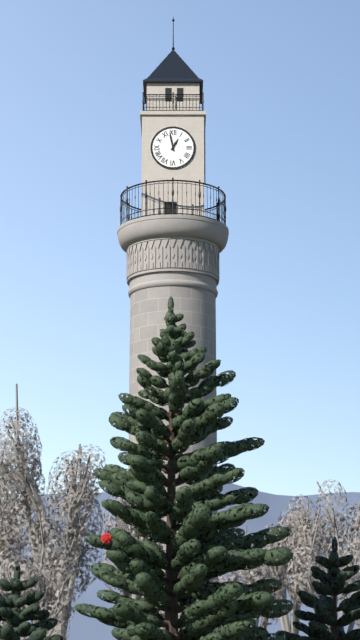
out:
12 h 58 min
